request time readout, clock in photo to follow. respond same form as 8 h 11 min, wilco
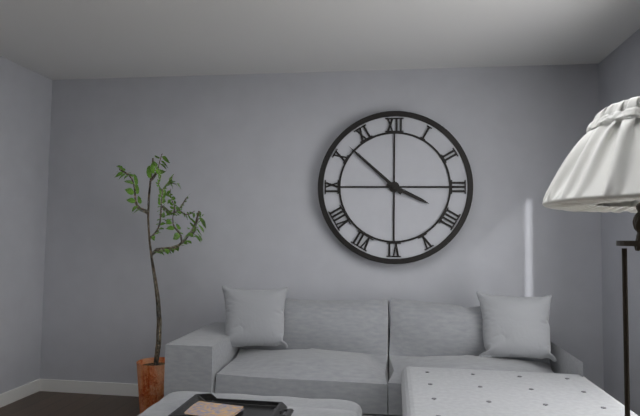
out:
3 h 52 min
